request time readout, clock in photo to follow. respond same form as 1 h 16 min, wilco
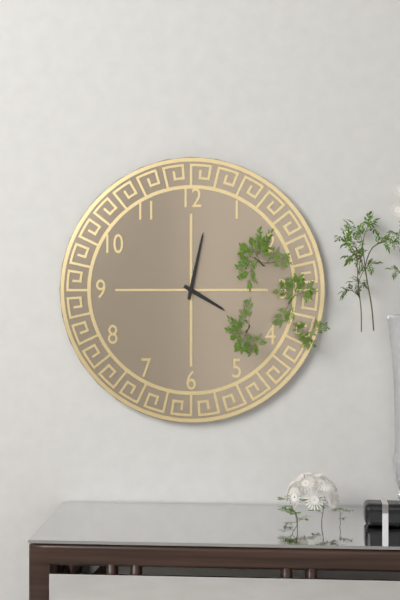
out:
4 h 02 min
